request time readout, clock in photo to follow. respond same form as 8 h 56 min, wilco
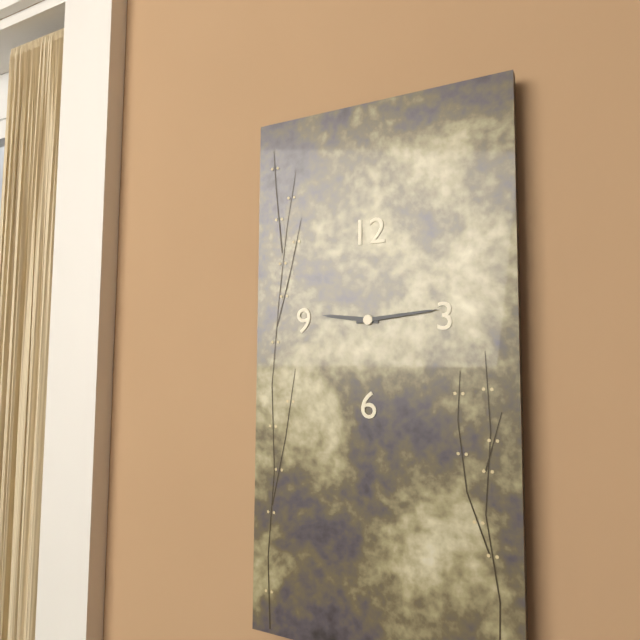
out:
9 h 14 min
